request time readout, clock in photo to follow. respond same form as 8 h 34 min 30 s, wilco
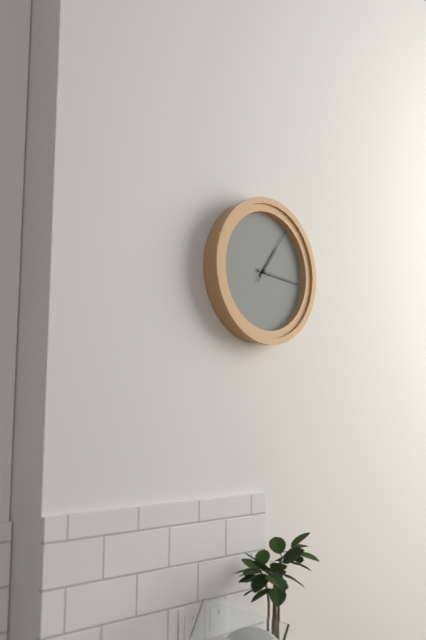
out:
1 h 16 min 06 s
